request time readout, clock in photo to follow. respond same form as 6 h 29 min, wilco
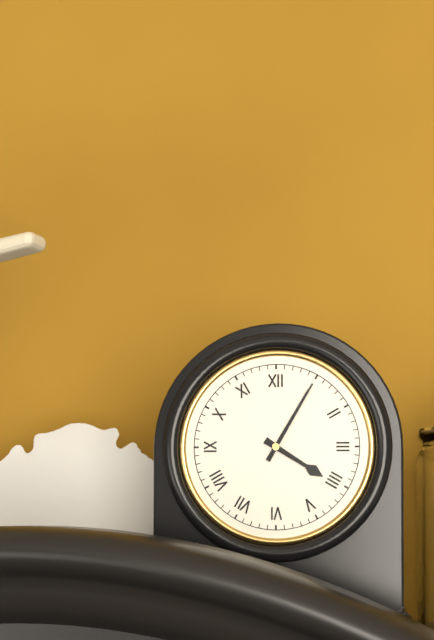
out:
4 h 05 min
